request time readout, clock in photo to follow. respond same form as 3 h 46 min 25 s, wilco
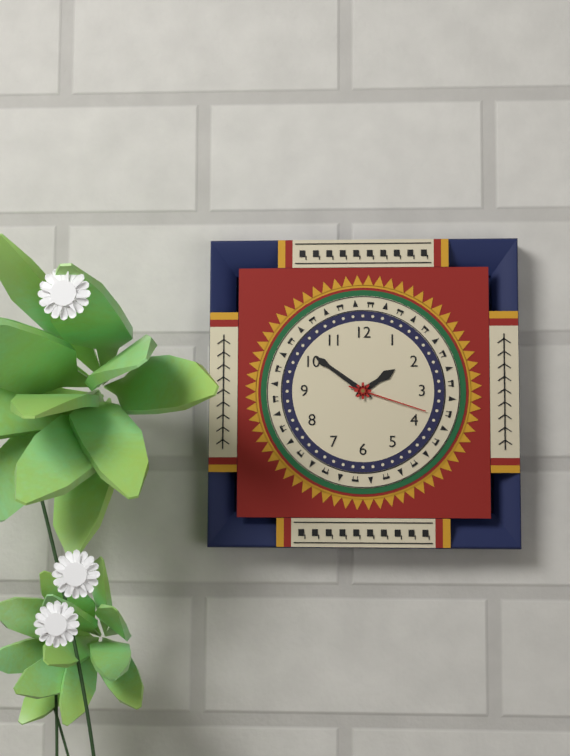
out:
1 h 51 min 18 s
